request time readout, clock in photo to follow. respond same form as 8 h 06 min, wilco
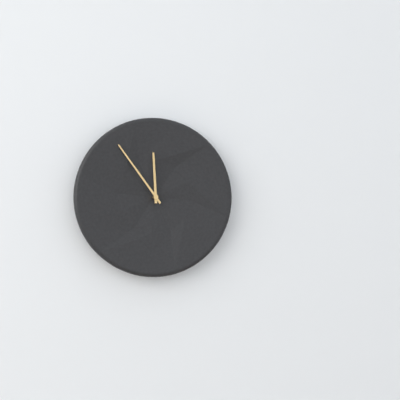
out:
11 h 54 min
